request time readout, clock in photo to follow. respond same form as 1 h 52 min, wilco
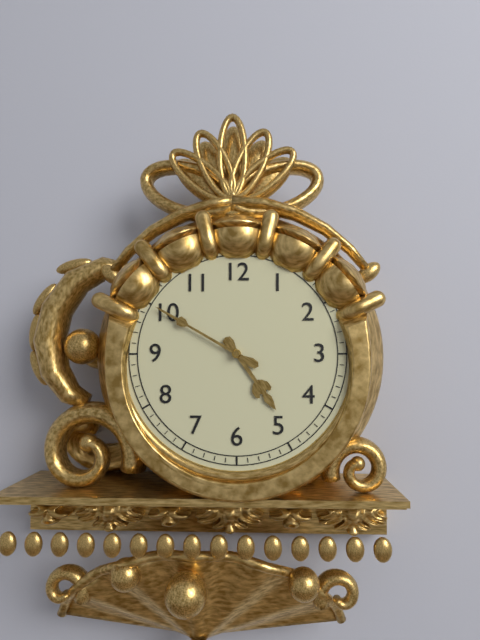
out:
4 h 50 min
